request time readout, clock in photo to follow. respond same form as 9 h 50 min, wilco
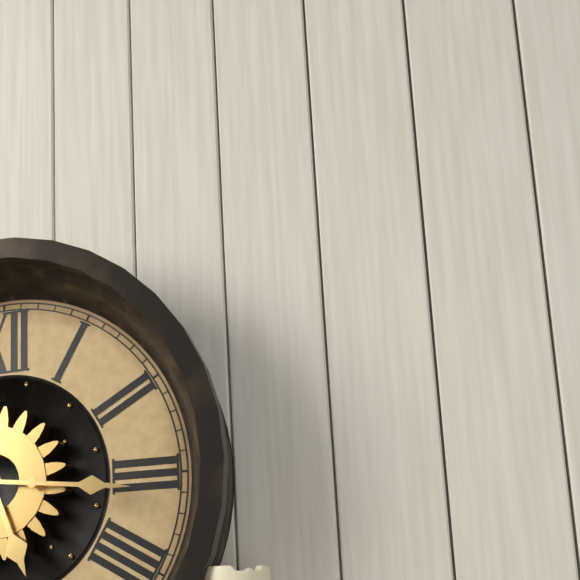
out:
5 h 16 min
